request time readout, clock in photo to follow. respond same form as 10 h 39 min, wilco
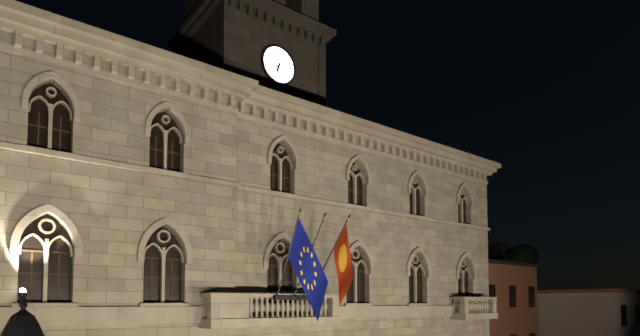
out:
6 h 37 min
